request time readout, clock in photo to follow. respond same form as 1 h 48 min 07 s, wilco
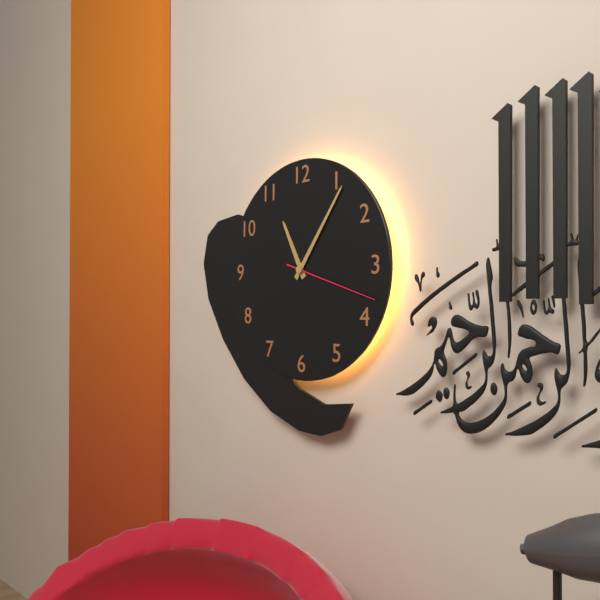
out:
11 h 06 min 18 s
